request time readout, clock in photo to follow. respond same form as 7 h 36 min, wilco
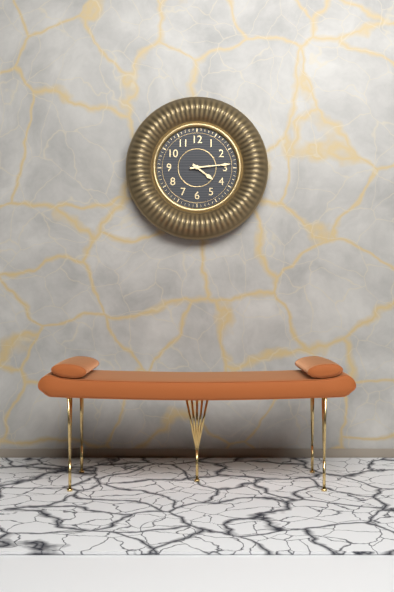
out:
4 h 14 min
